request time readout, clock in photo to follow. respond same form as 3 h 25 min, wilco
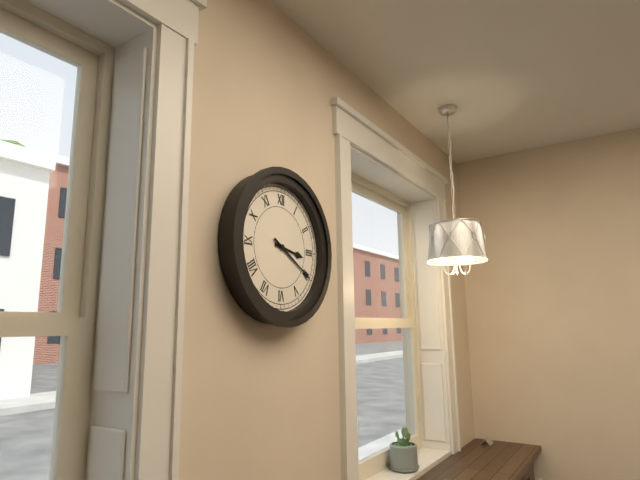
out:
3 h 20 min
